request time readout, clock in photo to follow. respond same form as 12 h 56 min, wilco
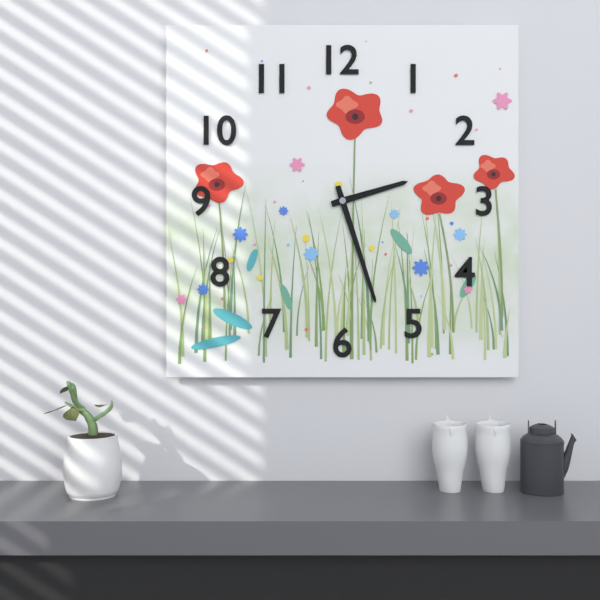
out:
2 h 27 min
